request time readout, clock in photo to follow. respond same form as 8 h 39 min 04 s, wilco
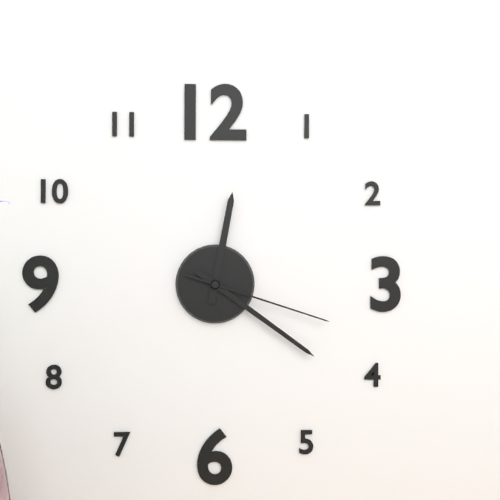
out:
12 h 21 min 18 s
